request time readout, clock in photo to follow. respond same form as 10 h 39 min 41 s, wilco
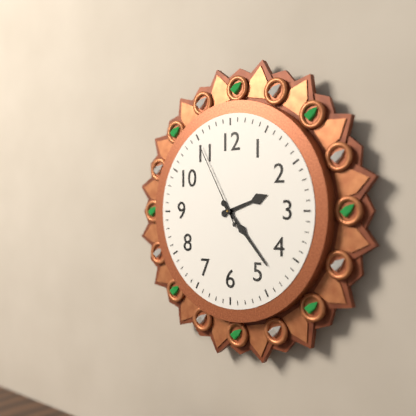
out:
2 h 23 min 55 s
